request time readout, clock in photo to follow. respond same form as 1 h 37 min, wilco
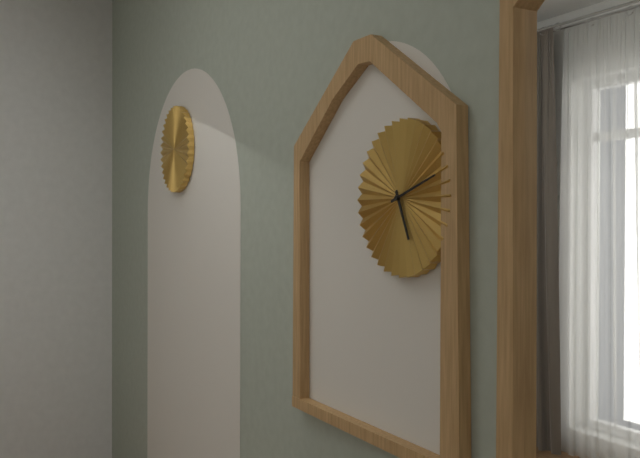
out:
5 h 12 min
